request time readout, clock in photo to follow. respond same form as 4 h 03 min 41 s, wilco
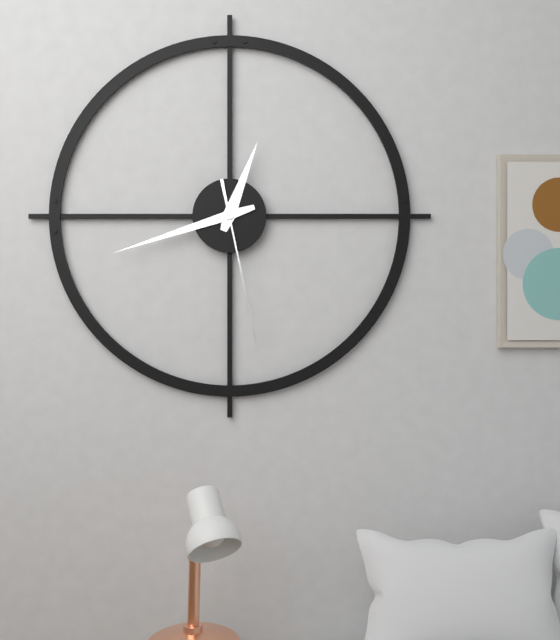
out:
12 h 42 min 28 s
